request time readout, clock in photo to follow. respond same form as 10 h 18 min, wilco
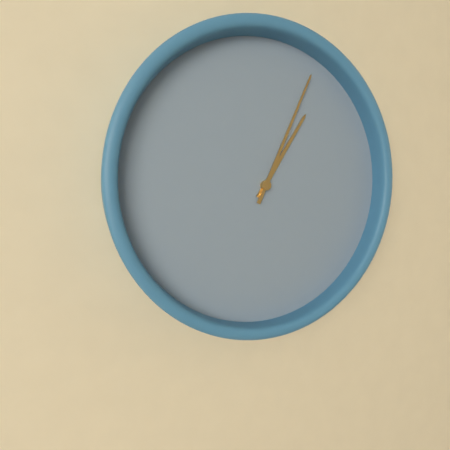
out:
1 h 04 min
